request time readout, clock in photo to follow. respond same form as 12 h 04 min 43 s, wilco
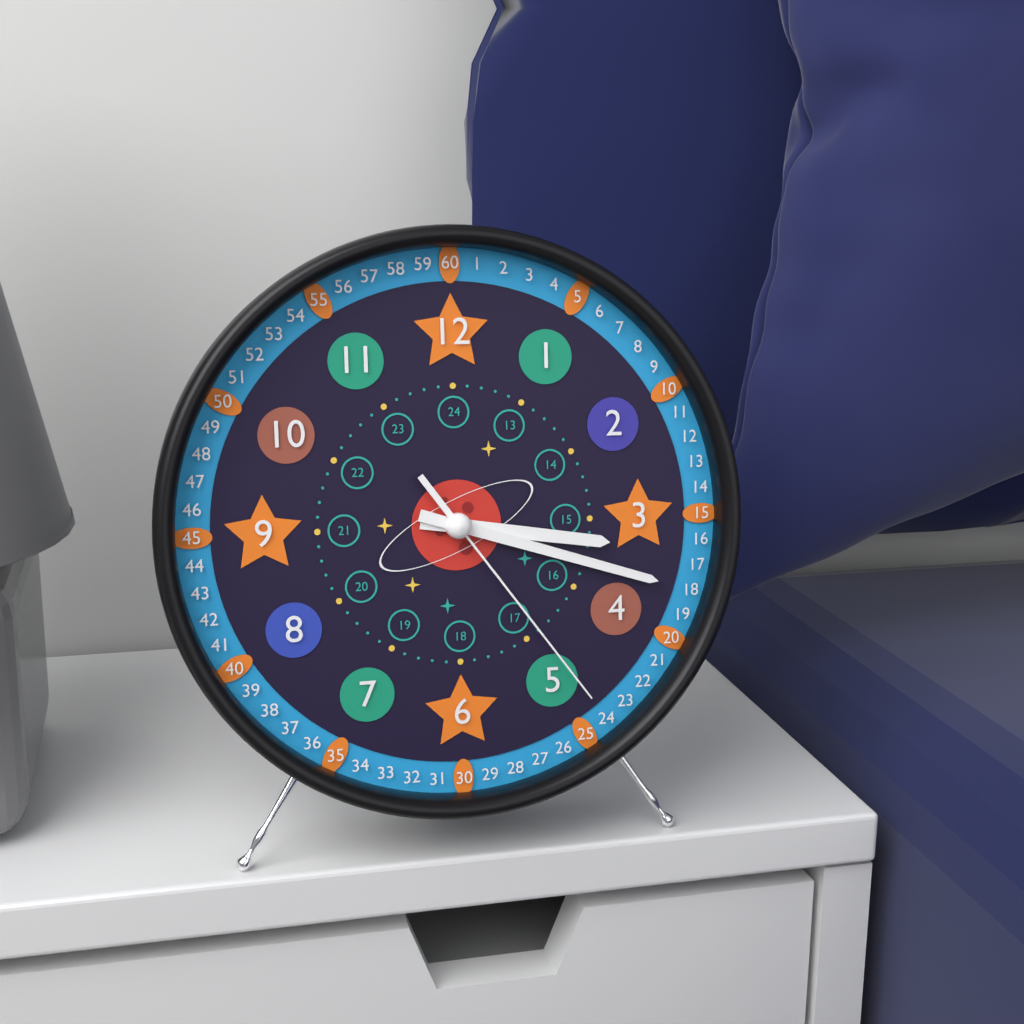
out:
3 h 18 min 24 s
